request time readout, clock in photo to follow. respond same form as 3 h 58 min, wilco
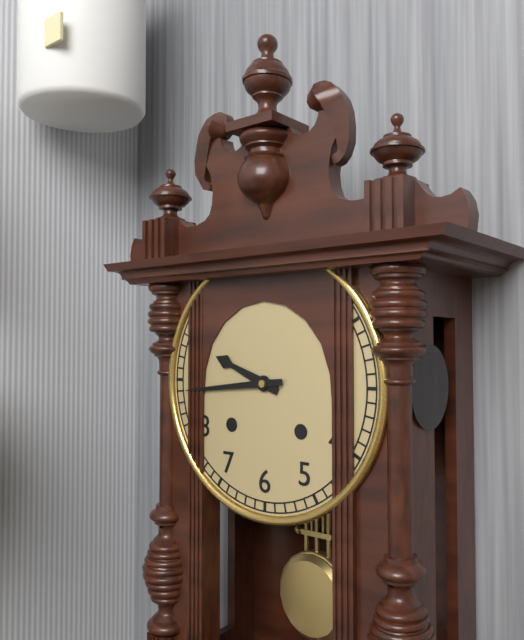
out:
9 h 44 min
